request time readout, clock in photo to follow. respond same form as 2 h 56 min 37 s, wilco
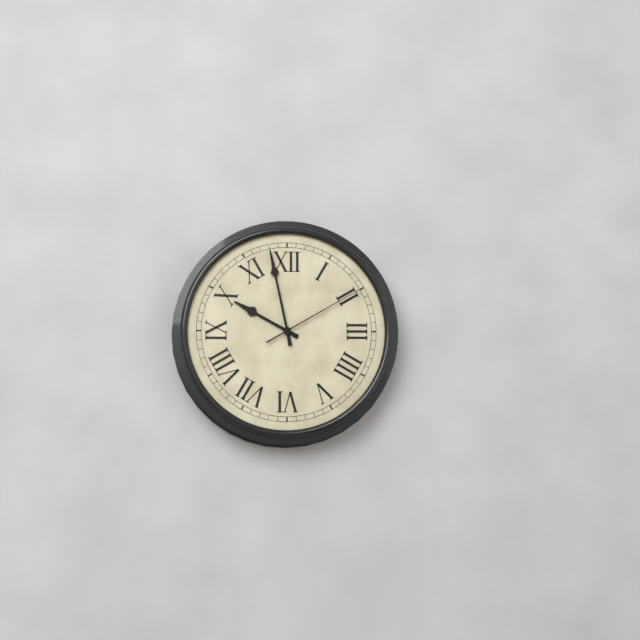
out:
9 h 58 min 10 s
